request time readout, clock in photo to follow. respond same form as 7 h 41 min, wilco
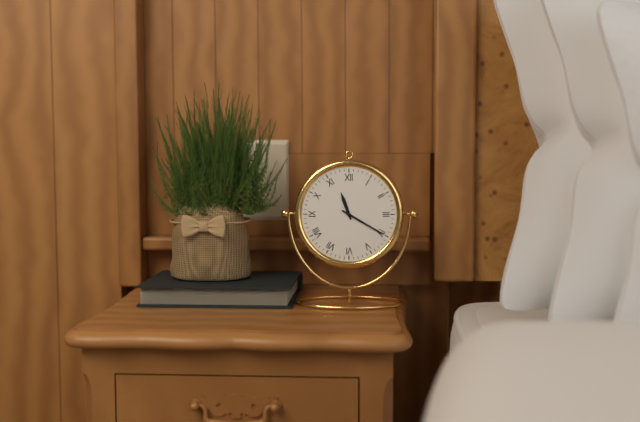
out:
11 h 20 min
